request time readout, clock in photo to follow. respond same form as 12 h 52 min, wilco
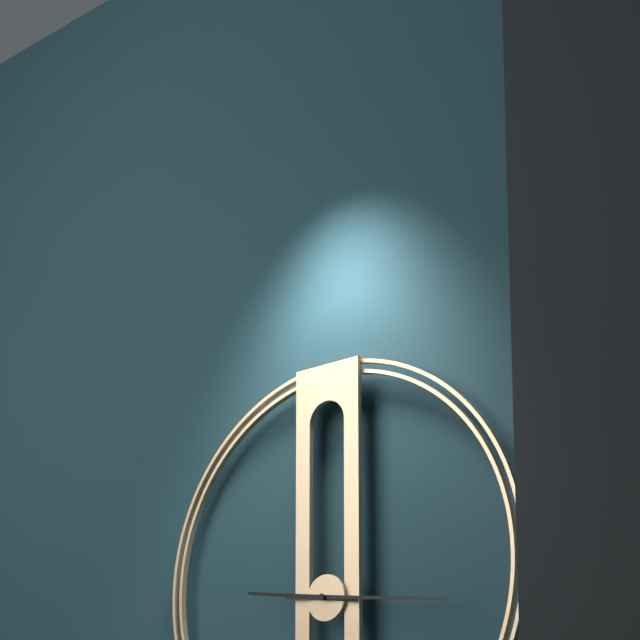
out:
9 h 16 min
